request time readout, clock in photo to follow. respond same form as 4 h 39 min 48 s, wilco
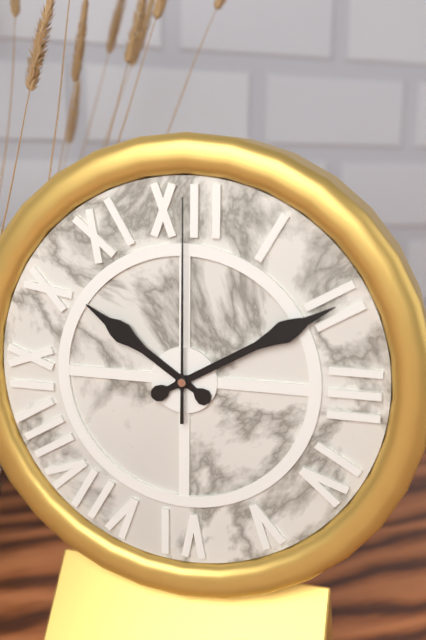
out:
10 h 10 min 00 s
